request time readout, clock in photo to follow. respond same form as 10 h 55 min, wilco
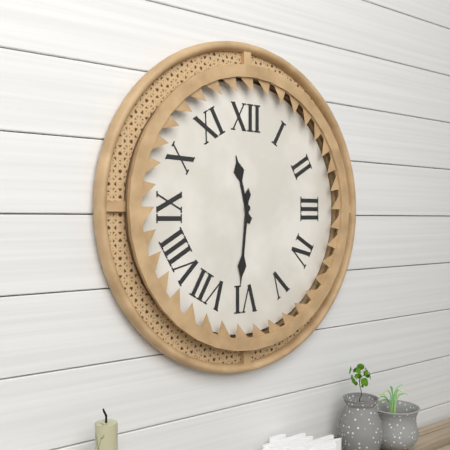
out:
11 h 31 min
